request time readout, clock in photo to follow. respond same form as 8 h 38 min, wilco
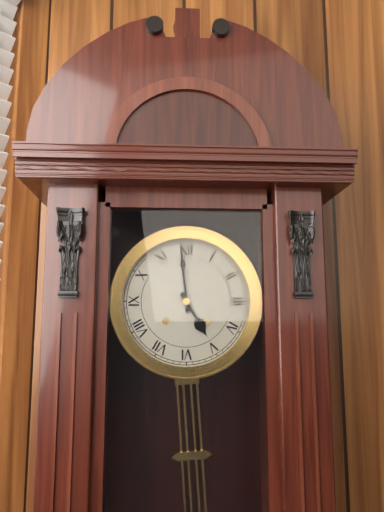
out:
4 h 59 min
